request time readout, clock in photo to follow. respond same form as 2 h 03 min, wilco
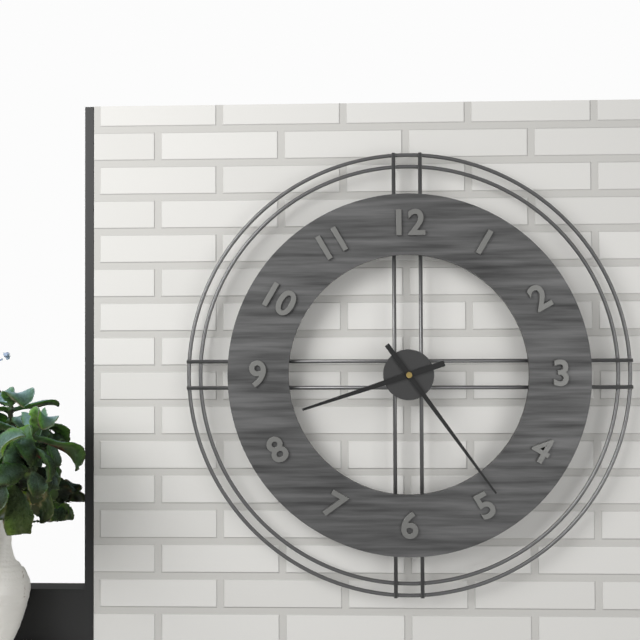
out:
8 h 24 min
